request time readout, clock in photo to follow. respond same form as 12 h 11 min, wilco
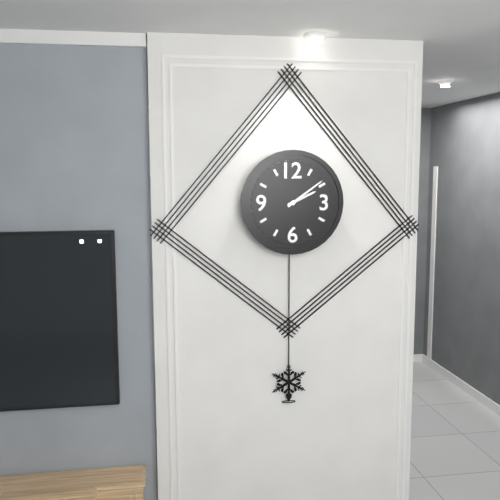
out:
2 h 09 min
